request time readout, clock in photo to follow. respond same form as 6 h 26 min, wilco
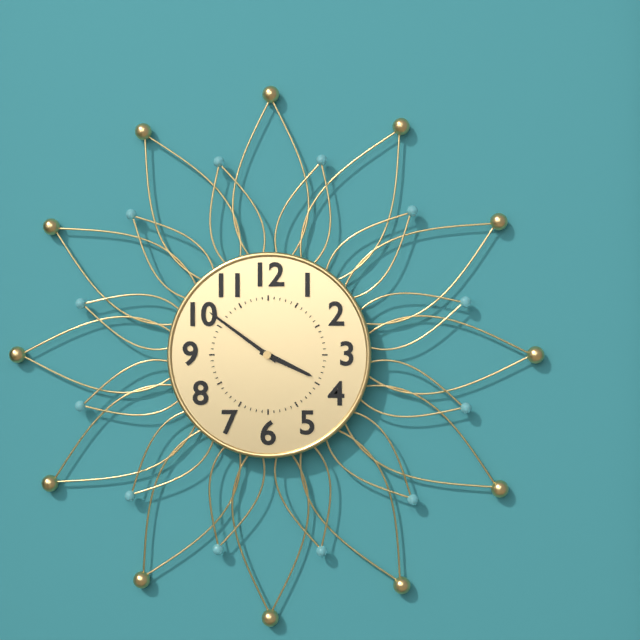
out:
3 h 51 min
